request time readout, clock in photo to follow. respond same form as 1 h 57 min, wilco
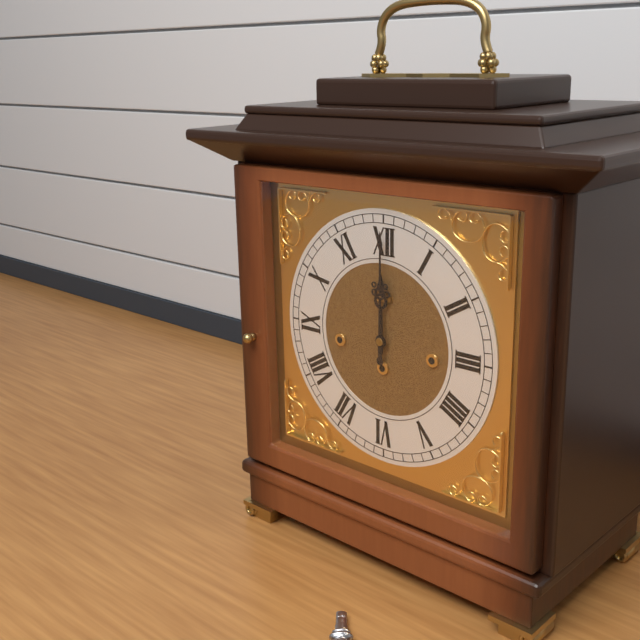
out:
12 h 00 min
